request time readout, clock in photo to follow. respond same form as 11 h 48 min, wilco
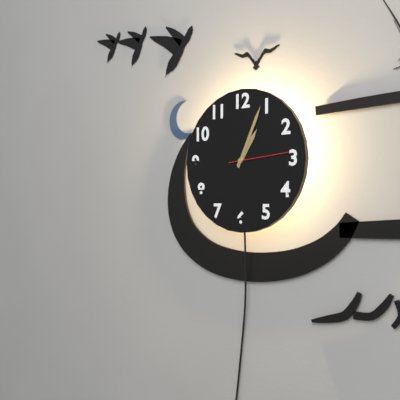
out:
1 h 04 min
